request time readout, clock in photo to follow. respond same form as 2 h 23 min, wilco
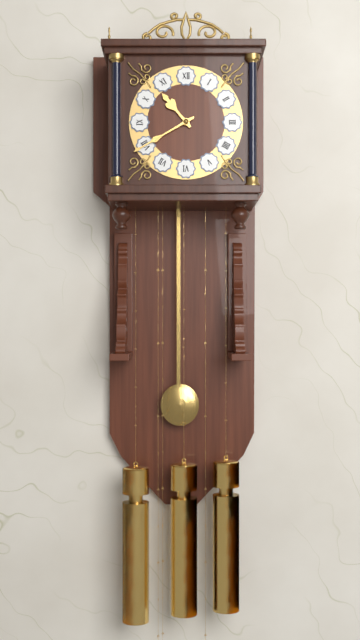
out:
10 h 40 min
